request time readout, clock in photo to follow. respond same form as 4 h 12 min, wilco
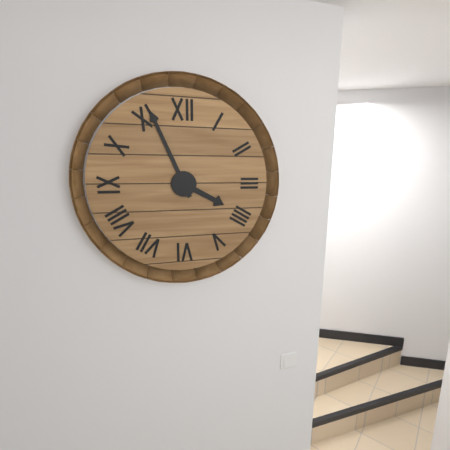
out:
3 h 56 min
